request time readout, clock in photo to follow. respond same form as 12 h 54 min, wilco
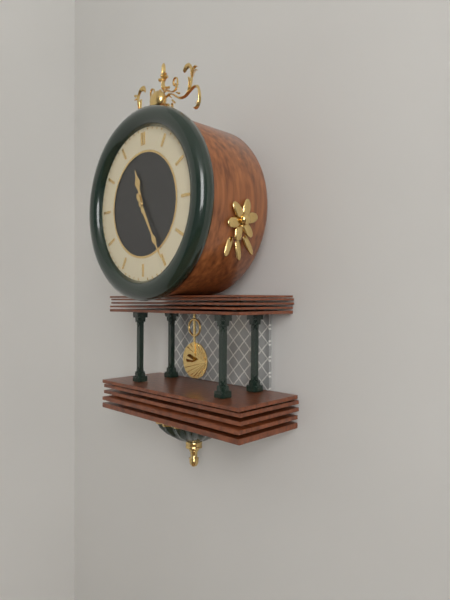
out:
11 h 25 min
